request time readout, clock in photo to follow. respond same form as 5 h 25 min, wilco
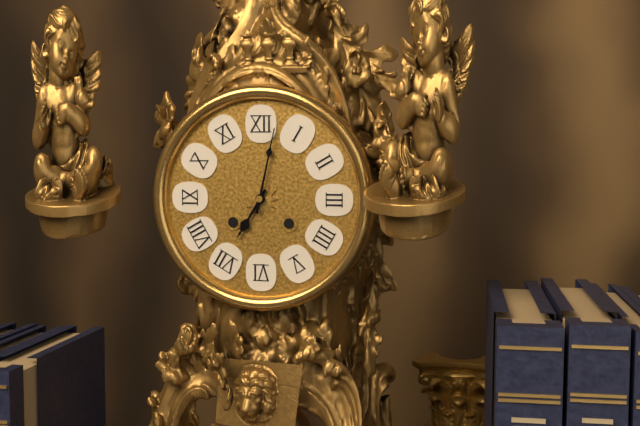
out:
7 h 02 min
